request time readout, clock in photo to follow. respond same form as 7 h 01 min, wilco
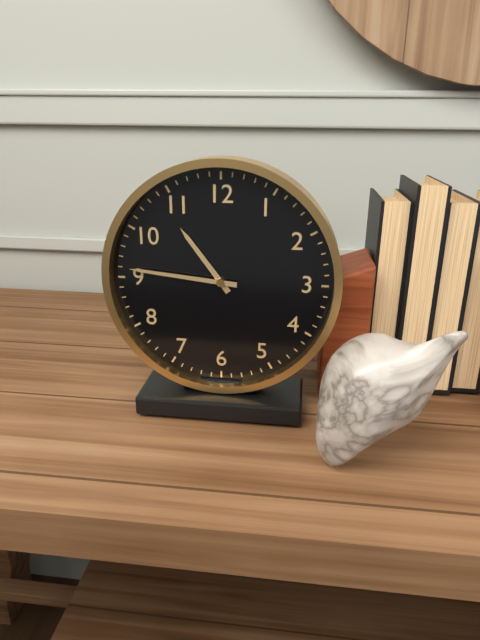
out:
10 h 46 min
